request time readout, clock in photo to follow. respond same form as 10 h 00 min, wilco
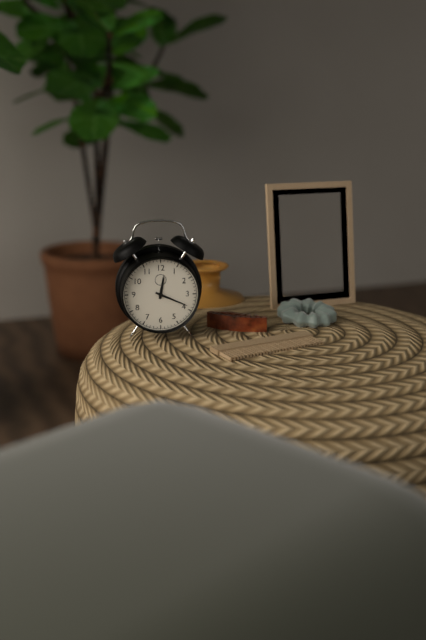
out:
12 h 19 min
